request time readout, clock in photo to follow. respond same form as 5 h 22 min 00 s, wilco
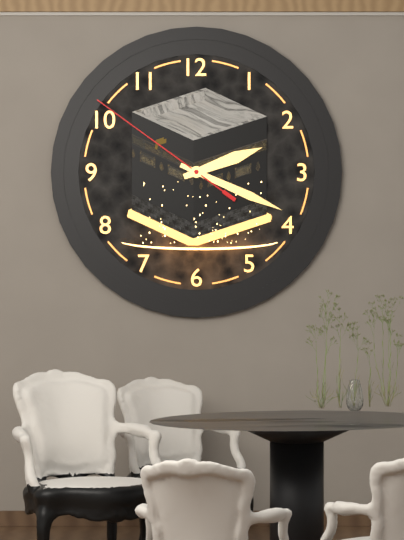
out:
2 h 19 min 51 s
